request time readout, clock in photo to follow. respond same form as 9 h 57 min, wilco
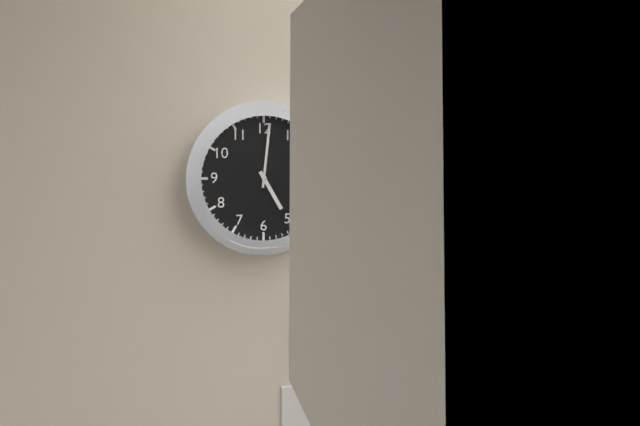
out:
5 h 01 min
